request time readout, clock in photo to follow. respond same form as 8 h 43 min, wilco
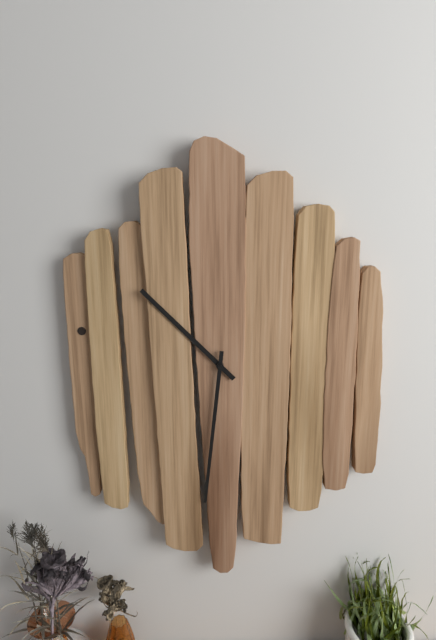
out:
10 h 31 min
